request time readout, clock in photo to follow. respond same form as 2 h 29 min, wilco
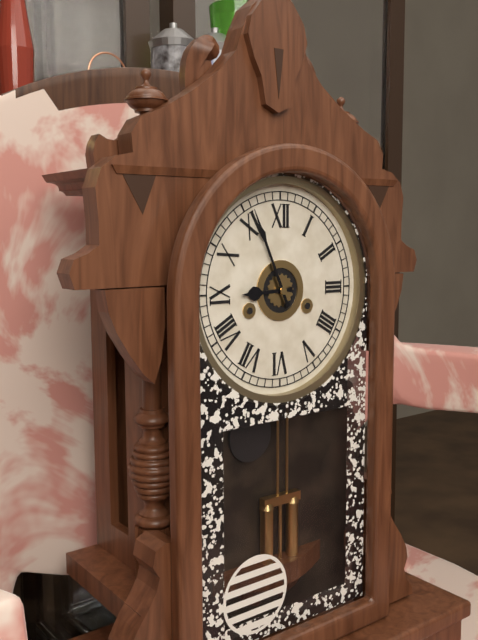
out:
8 h 56 min
